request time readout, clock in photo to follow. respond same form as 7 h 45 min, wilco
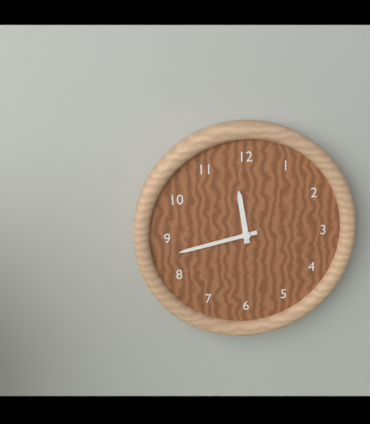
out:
11 h 43 min
